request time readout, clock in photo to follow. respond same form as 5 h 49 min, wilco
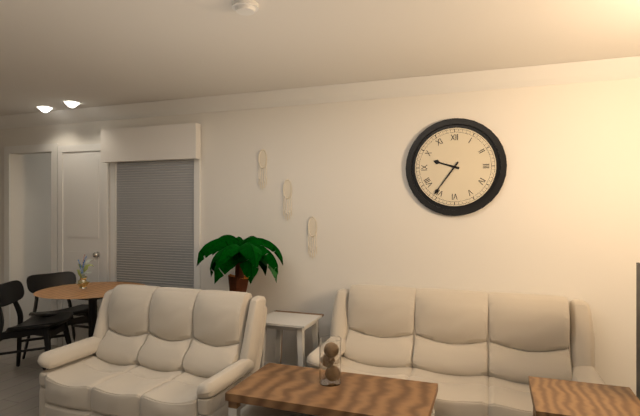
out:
9 h 36 min
